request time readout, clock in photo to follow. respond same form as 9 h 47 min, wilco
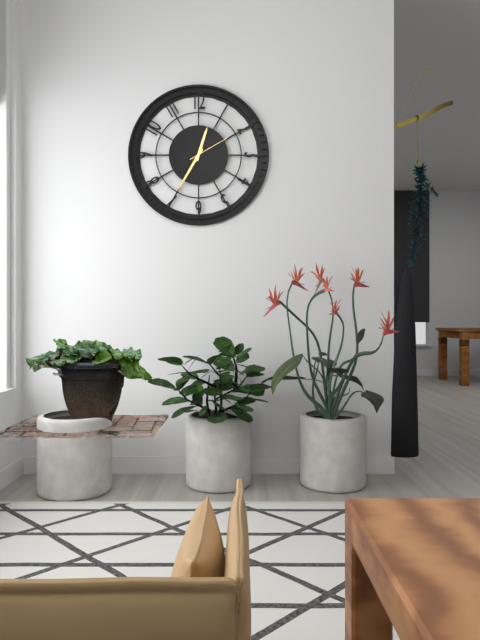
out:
12 h 35 min
